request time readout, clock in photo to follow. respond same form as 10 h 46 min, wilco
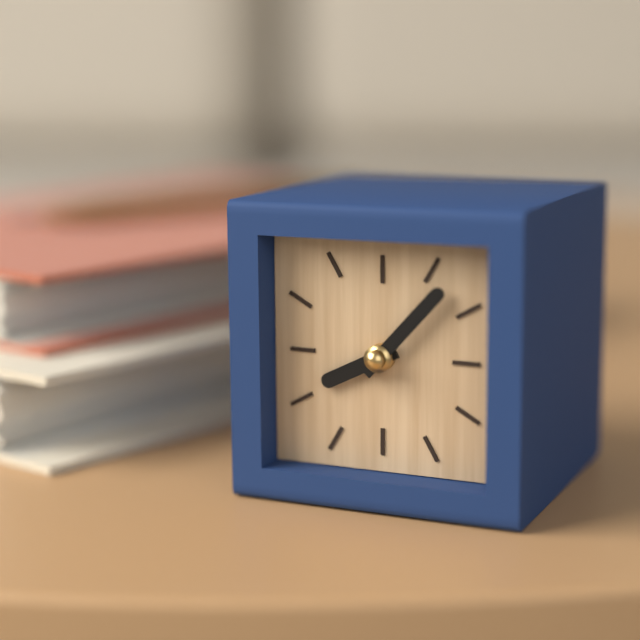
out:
8 h 07 min
